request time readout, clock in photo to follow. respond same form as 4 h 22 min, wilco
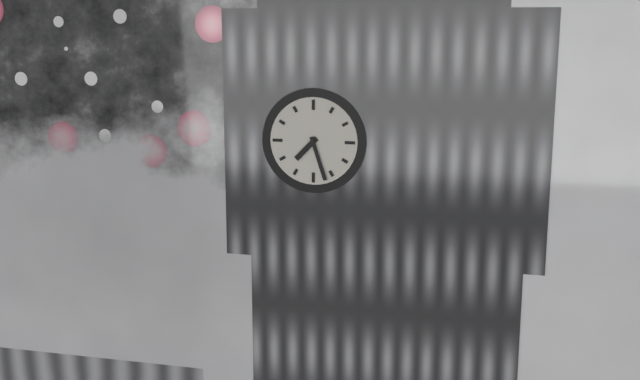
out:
7 h 27 min
